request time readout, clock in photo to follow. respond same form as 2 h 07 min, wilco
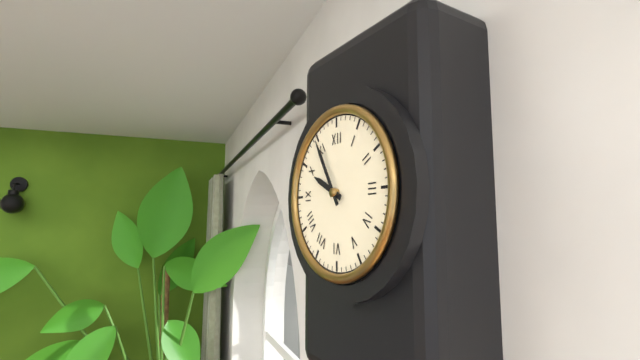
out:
9 h 55 min
